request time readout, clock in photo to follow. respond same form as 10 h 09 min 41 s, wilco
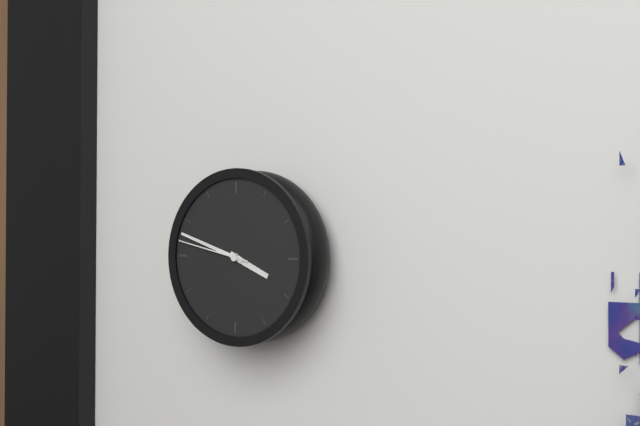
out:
3 h 48 min 47 s
